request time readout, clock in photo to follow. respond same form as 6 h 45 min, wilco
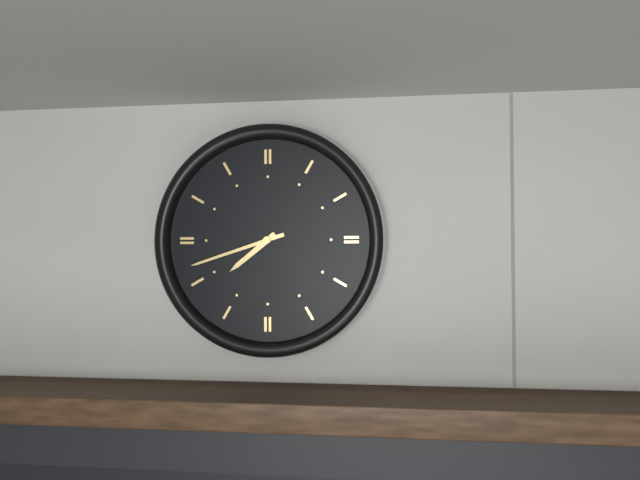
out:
7 h 42 min
